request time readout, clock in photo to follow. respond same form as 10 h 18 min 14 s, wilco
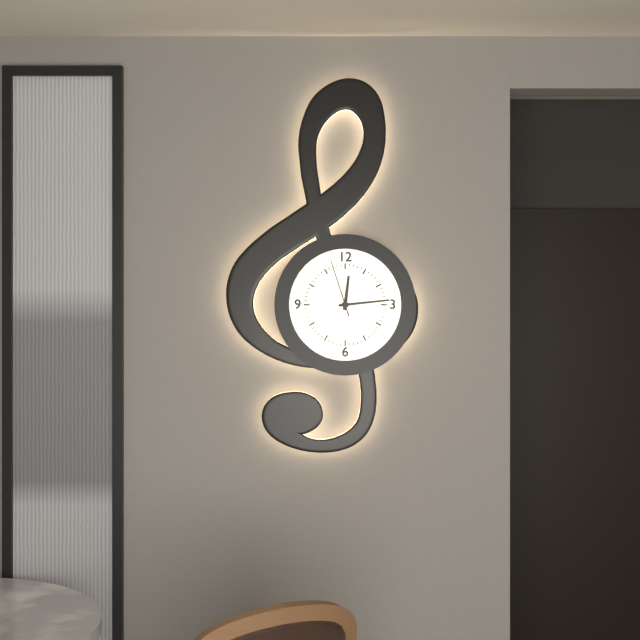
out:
12 h 14 min 57 s
